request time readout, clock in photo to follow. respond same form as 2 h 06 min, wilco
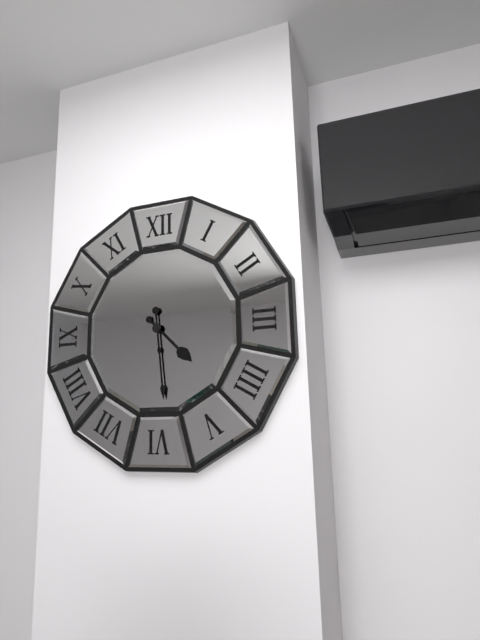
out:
4 h 29 min
